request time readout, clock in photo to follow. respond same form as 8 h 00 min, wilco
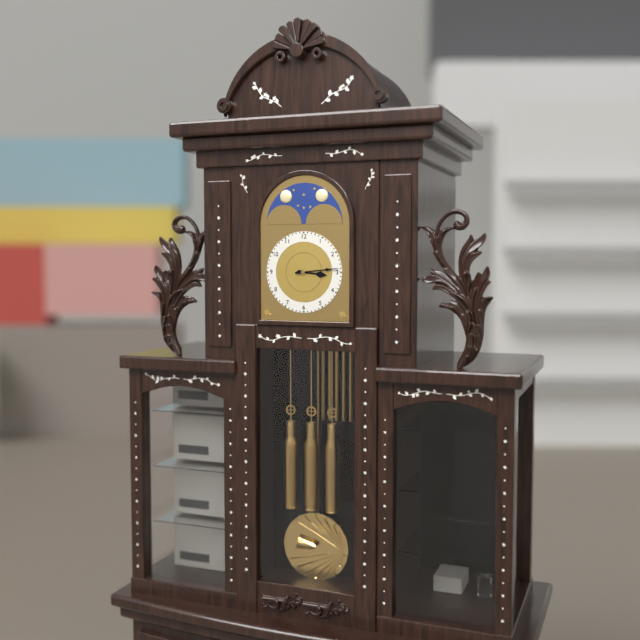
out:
3 h 14 min
